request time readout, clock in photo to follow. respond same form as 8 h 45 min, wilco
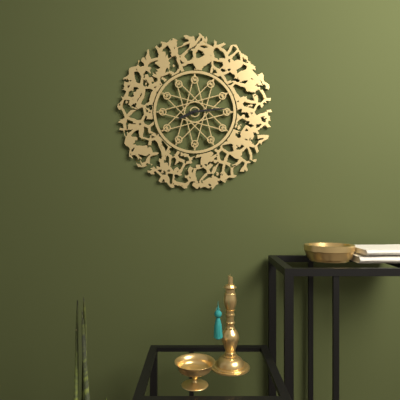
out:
8 h 14 min
